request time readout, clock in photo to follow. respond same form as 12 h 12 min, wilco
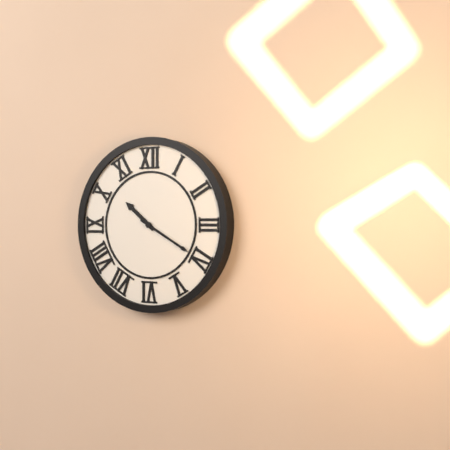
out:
10 h 20 min
